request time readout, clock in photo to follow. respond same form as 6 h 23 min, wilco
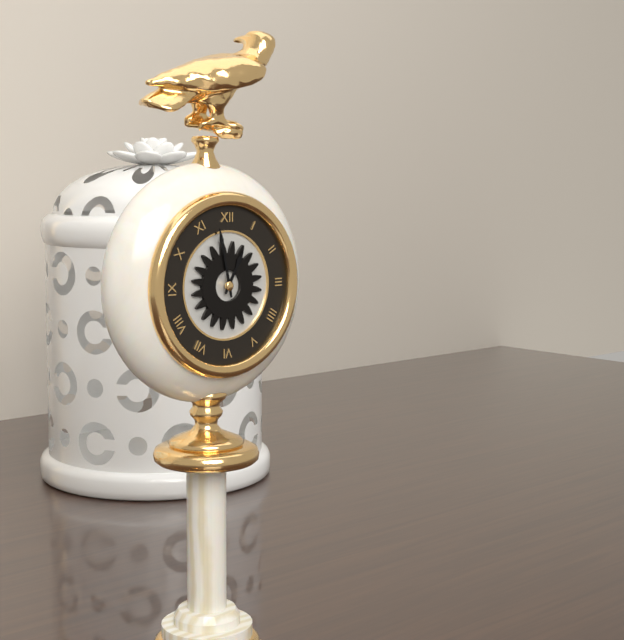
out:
12 h 58 min
